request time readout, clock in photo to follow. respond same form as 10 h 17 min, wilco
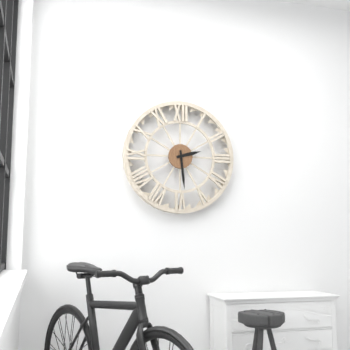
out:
2 h 29 min
